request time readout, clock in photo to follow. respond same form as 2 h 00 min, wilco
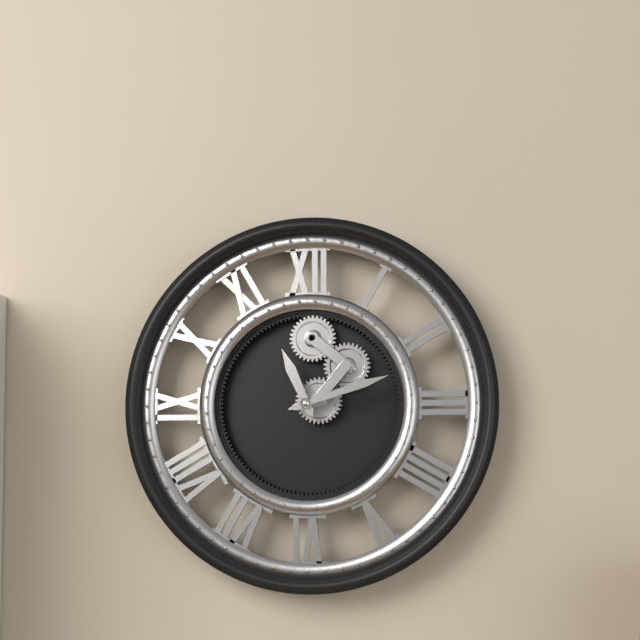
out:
11 h 12 min
